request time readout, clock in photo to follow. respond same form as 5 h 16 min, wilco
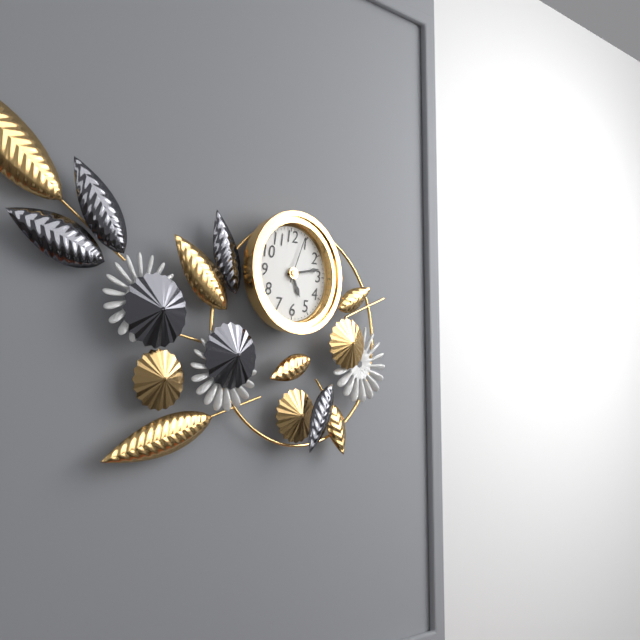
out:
5 h 13 min
